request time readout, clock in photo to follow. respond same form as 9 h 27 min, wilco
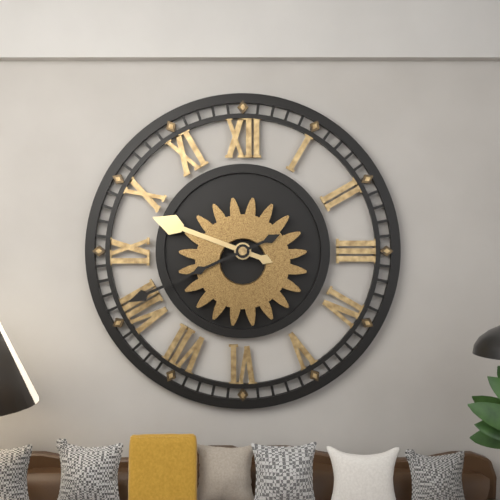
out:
9 h 41 min
